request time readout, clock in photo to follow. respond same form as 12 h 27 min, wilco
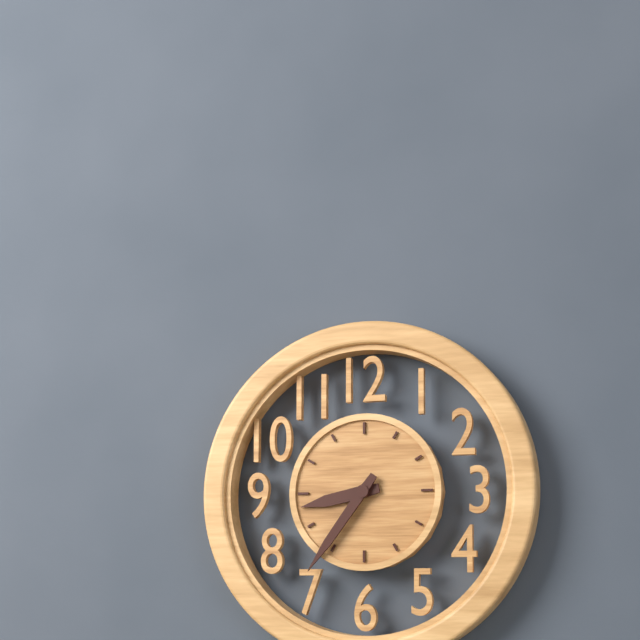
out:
8 h 36 min
